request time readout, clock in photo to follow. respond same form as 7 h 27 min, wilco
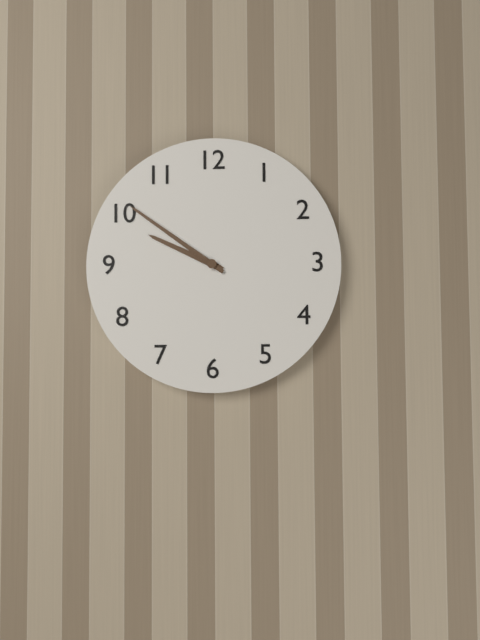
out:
9 h 51 min
